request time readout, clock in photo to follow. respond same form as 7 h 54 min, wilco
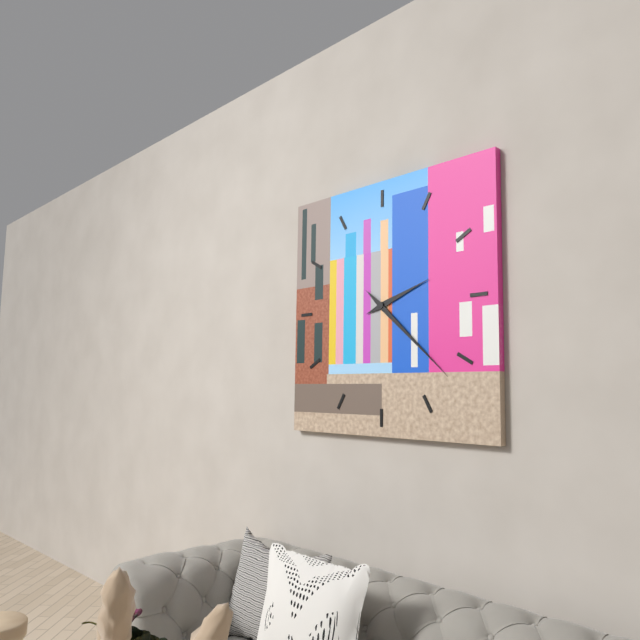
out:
2 h 22 min
